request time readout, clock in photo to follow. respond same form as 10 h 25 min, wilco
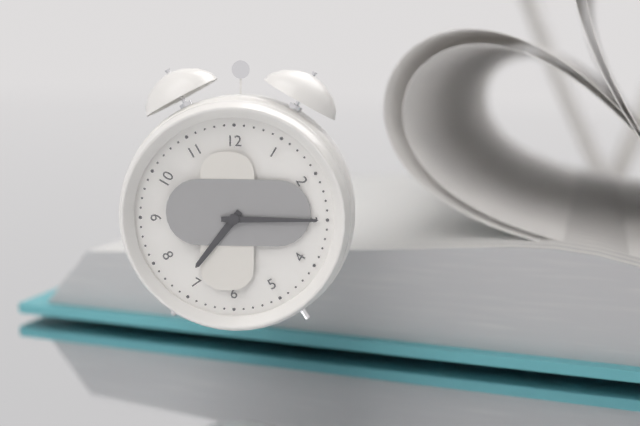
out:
7 h 15 min
